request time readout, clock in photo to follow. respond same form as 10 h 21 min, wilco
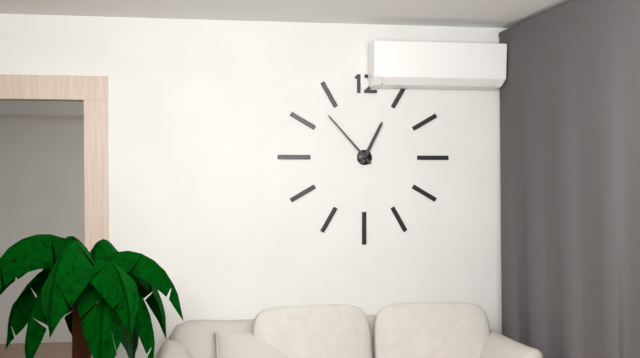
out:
12 h 53 min
